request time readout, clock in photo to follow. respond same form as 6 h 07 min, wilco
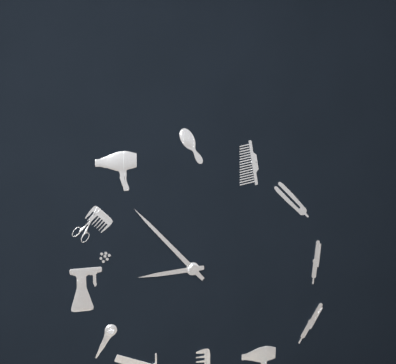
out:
8 h 53 min
